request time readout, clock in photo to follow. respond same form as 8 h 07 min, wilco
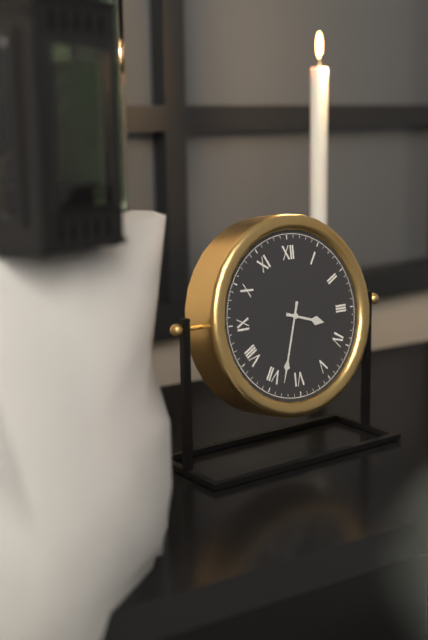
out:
3 h 33 min
